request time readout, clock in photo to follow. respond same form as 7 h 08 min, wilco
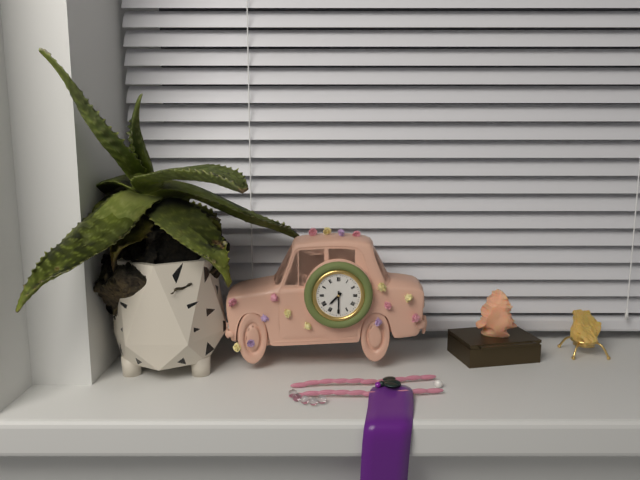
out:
7 h 30 min
